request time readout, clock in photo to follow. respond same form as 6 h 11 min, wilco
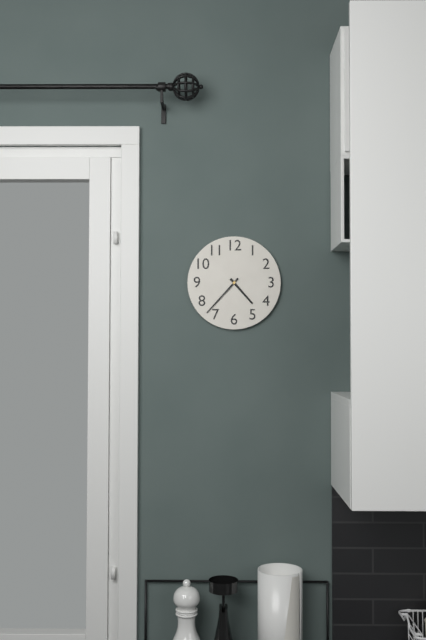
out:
4 h 37 min
